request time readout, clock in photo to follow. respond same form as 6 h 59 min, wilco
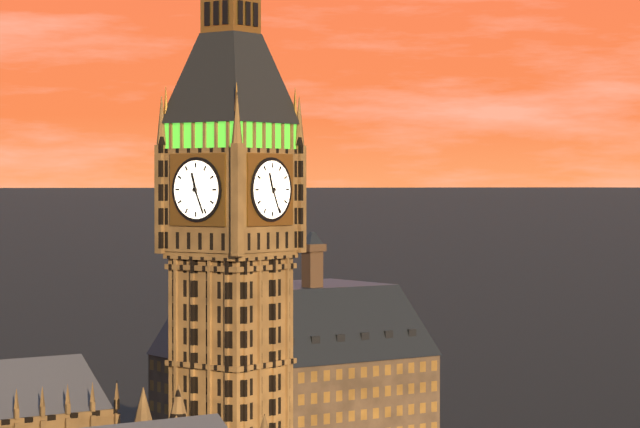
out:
11 h 26 min
